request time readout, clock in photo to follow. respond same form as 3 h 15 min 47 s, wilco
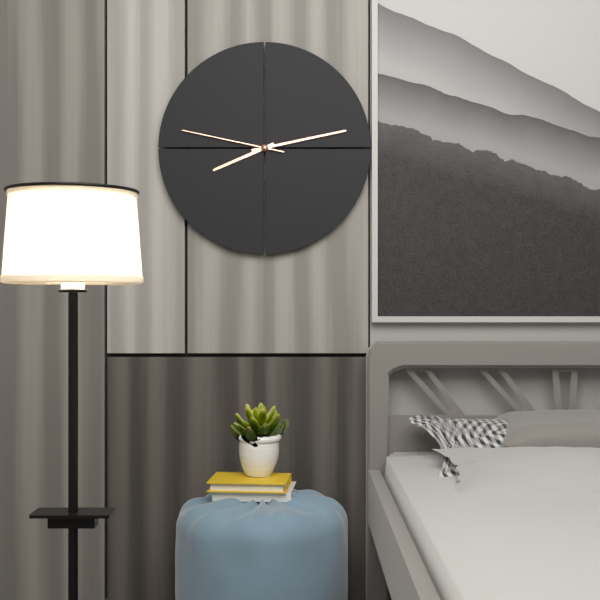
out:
8 h 13 min 47 s
